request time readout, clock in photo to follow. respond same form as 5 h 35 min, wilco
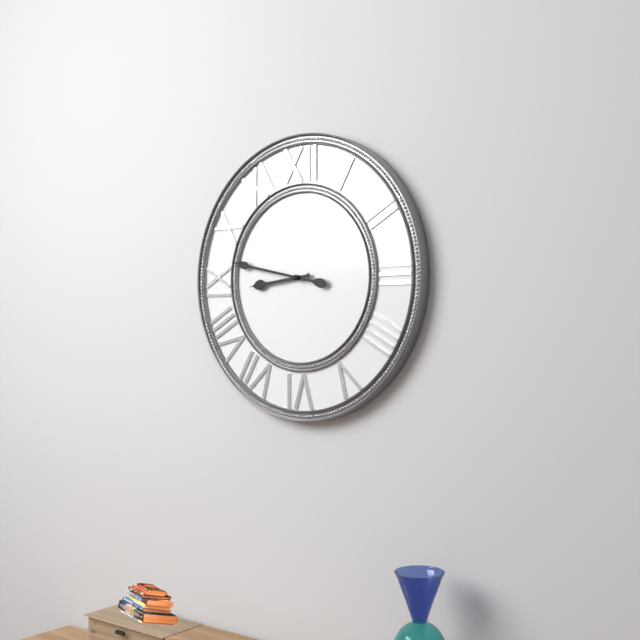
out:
8 h 47 min
